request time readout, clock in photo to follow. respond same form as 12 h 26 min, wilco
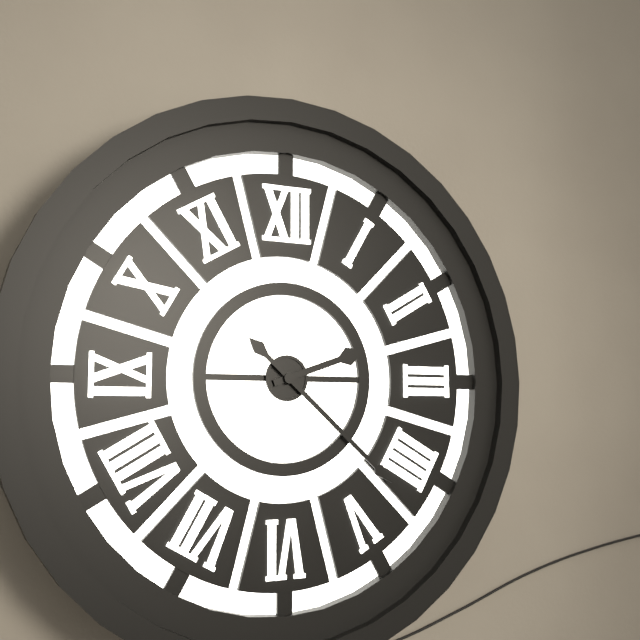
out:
2 h 22 min
